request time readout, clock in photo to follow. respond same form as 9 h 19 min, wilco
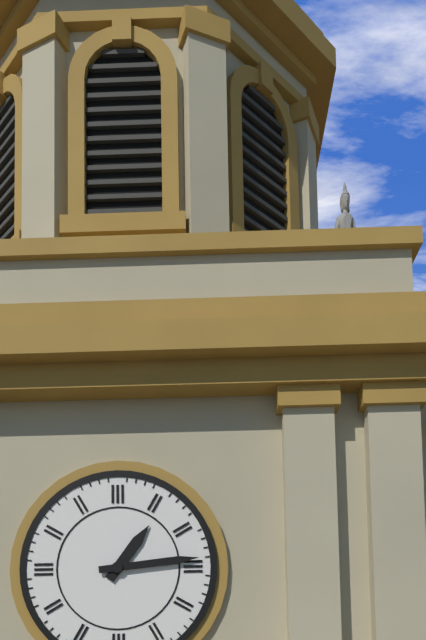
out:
1 h 14 min
